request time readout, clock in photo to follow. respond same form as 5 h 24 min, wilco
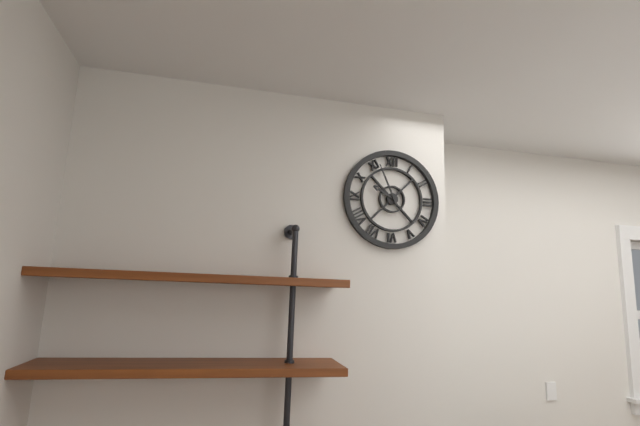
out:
9 h 56 min
